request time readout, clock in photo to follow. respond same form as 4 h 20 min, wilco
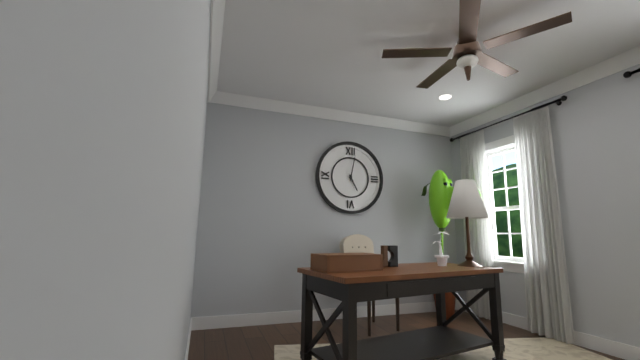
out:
5 h 02 min
